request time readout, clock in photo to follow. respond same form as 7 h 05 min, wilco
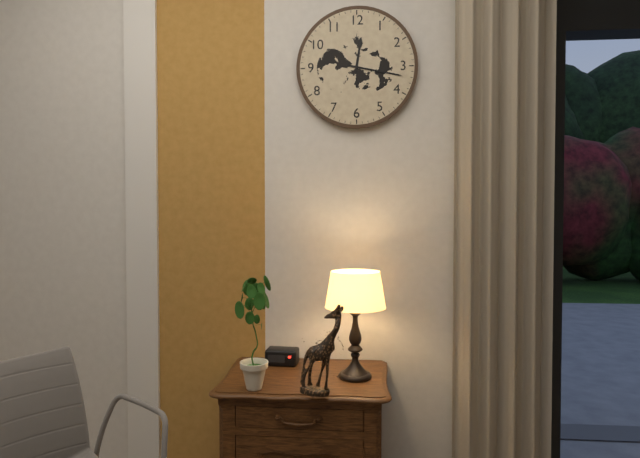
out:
12 h 17 min
